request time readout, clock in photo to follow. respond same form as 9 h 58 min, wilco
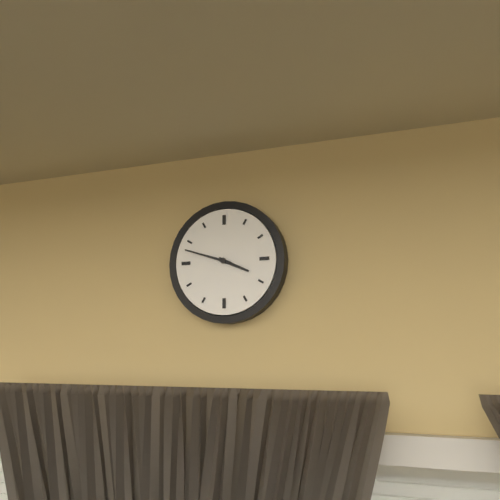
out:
3 h 48 min
